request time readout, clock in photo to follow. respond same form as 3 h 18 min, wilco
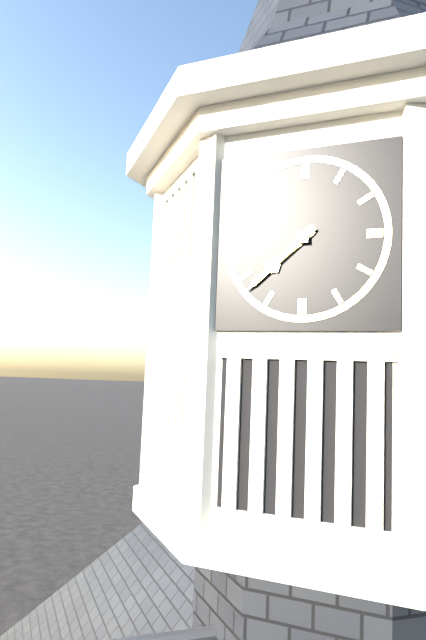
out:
7 h 38 min
